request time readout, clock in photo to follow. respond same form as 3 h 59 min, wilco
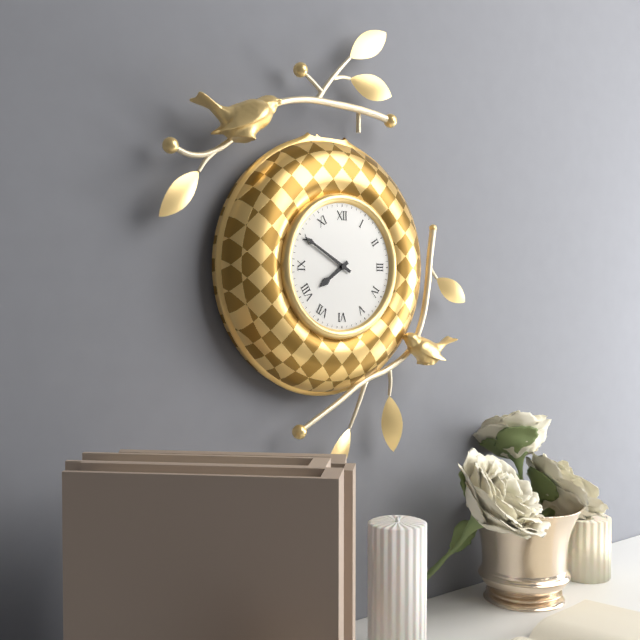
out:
7 h 50 min
